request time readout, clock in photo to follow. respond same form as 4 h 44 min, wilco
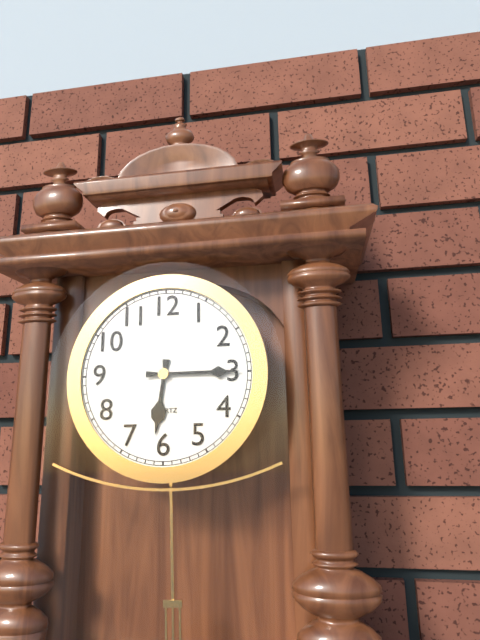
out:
6 h 15 min
